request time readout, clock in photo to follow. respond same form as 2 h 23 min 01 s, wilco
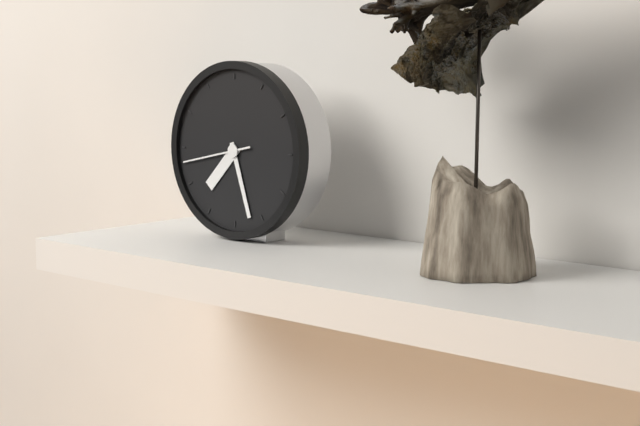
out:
7 h 27 min 43 s
